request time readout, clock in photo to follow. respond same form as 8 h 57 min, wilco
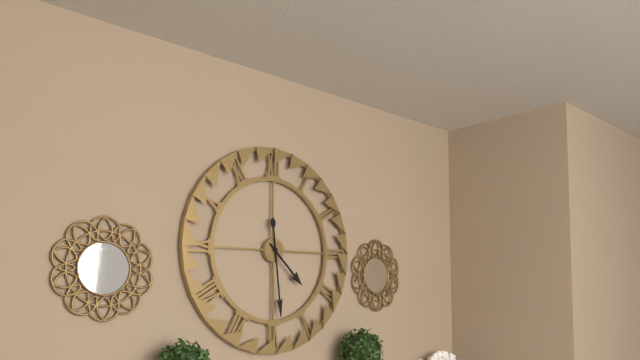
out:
4 h 29 min
